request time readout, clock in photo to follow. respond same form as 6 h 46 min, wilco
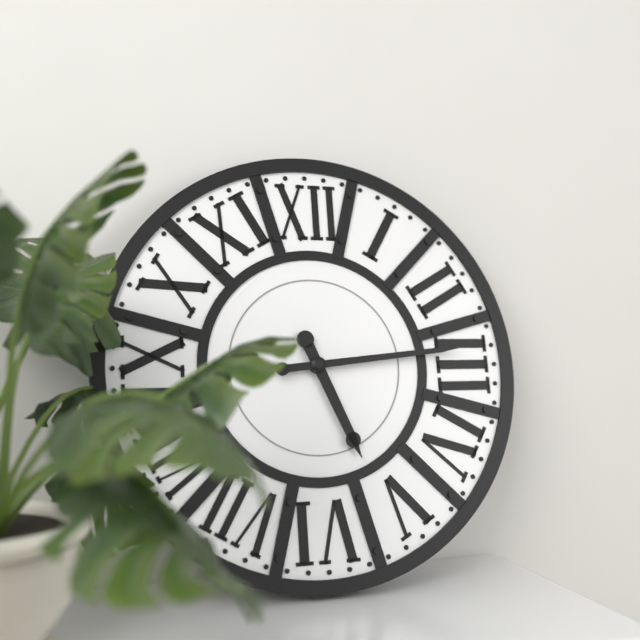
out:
5 h 14 min
